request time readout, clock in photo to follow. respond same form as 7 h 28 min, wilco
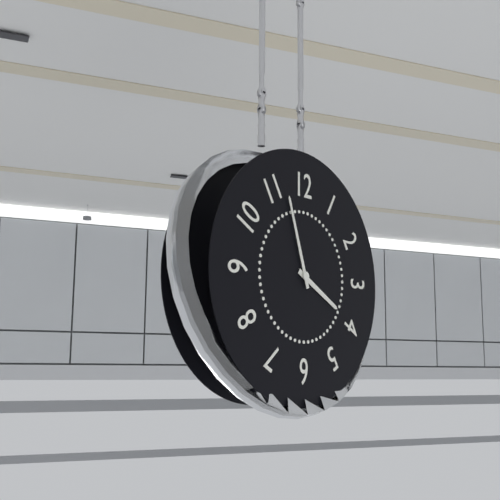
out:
3 h 57 min
